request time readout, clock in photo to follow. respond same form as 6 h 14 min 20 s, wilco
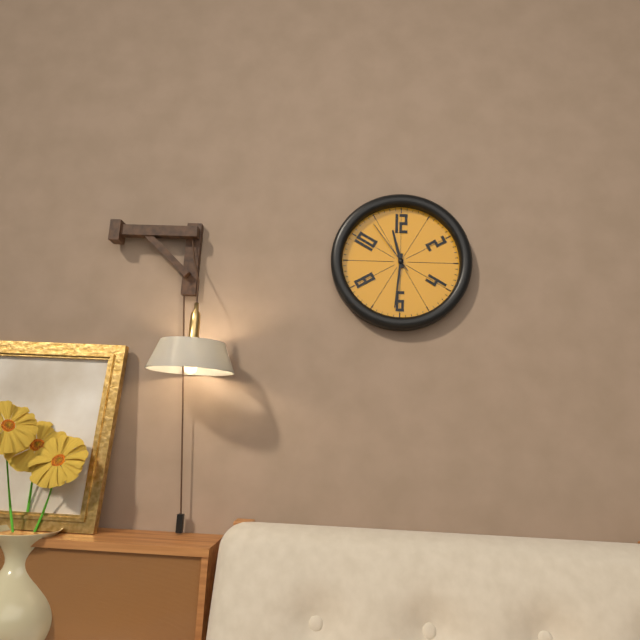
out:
11 h 31 min 54 s
